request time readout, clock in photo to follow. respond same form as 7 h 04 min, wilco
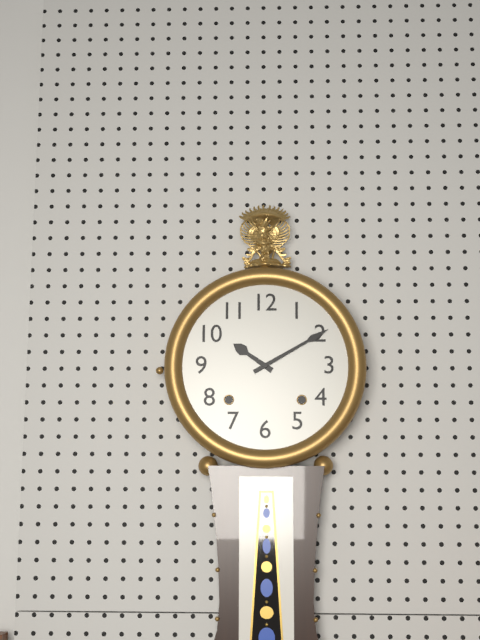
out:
10 h 10 min
